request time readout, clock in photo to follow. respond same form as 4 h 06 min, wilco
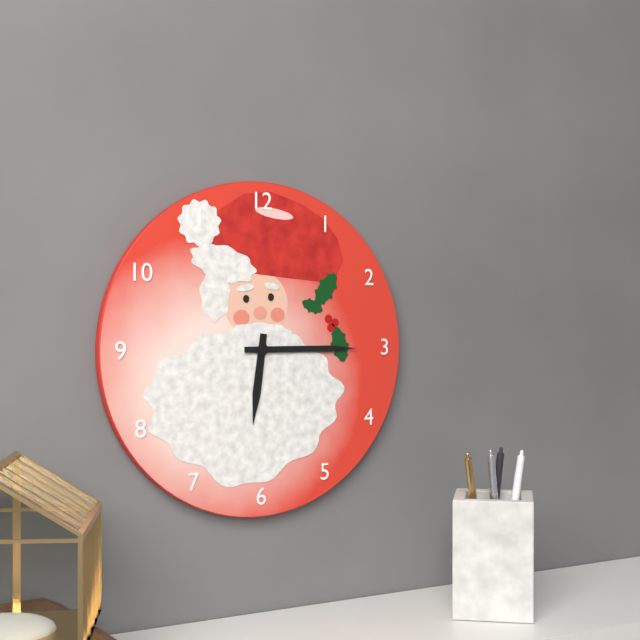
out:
6 h 15 min
